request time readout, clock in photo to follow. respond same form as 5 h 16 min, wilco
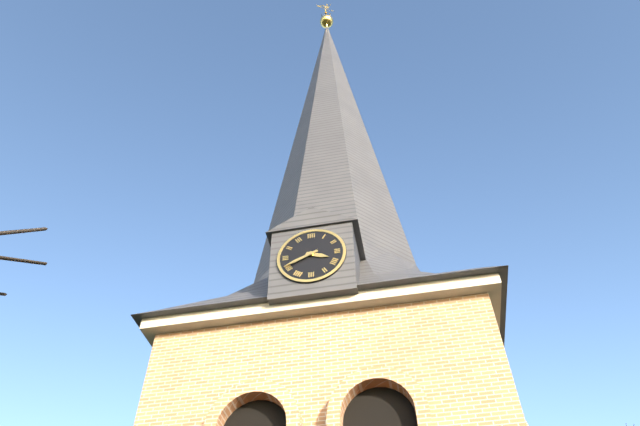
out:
3 h 41 min
